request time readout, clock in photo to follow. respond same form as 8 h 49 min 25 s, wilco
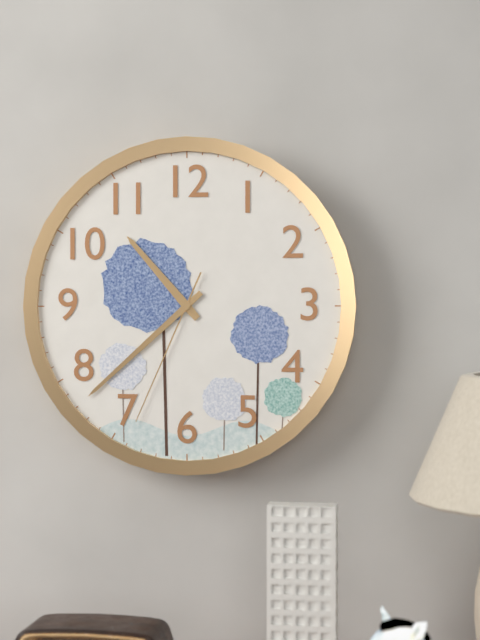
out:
10 h 38 min 34 s
